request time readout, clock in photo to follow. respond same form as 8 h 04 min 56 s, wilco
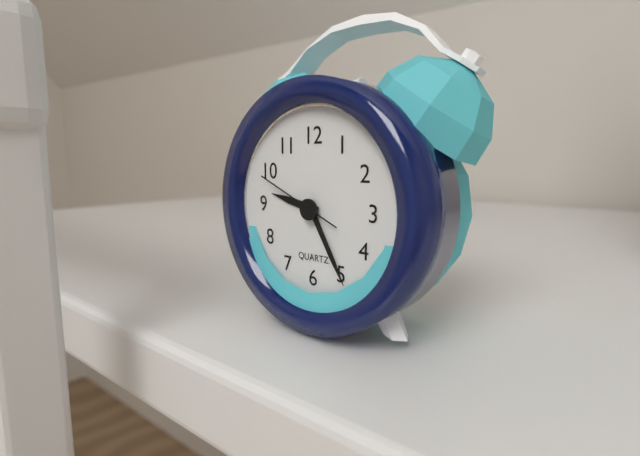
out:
9 h 25 min 49 s
